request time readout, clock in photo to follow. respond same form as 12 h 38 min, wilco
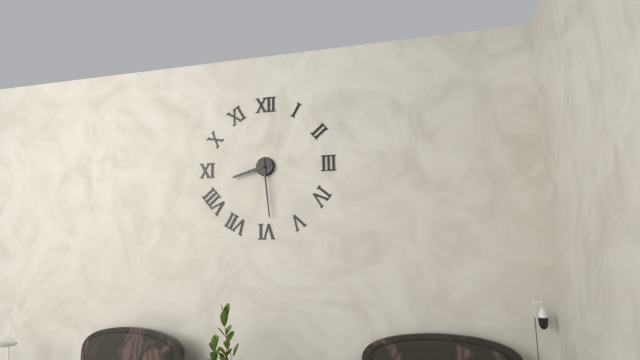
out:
8 h 29 min
